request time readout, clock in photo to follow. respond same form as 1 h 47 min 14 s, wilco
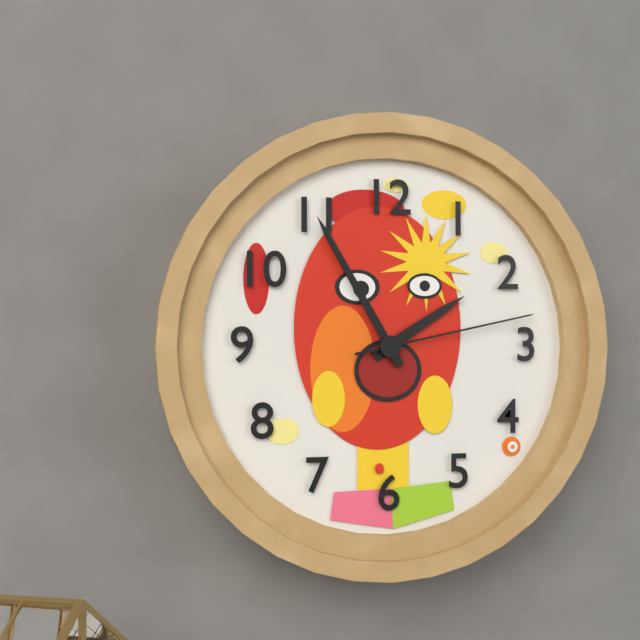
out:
1 h 55 min 13 s
